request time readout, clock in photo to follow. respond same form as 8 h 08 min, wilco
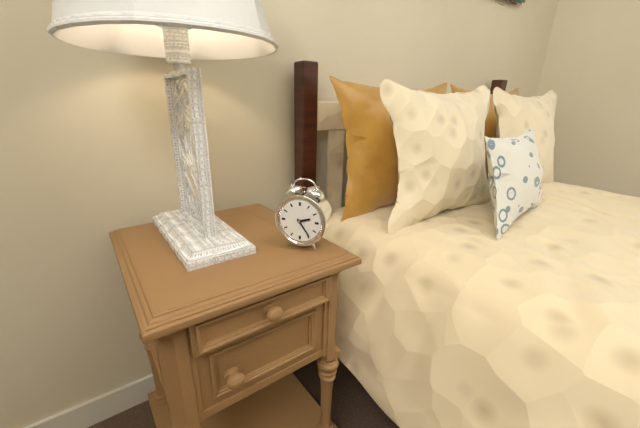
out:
2 h 24 min
